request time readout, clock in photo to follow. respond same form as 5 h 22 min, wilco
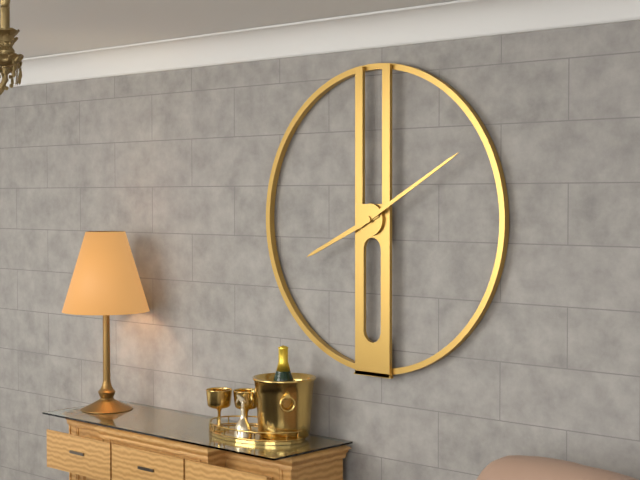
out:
8 h 10 min
